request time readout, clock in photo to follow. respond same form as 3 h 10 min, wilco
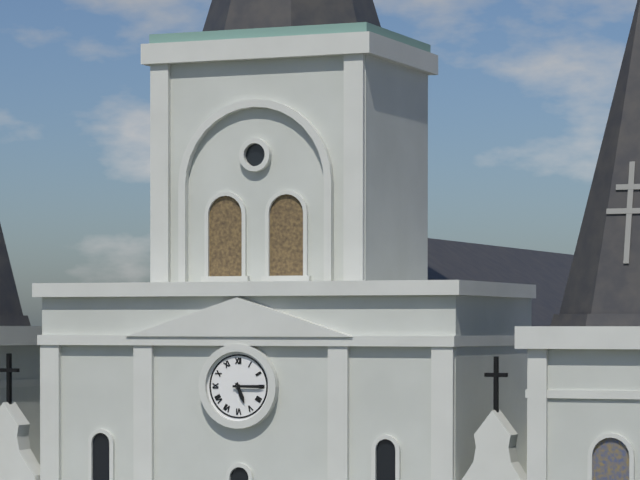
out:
5 h 15 min
